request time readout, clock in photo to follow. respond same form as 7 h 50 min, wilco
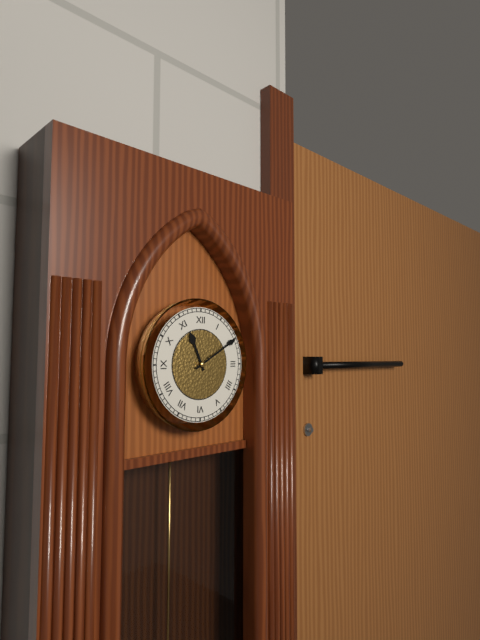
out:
11 h 10 min
